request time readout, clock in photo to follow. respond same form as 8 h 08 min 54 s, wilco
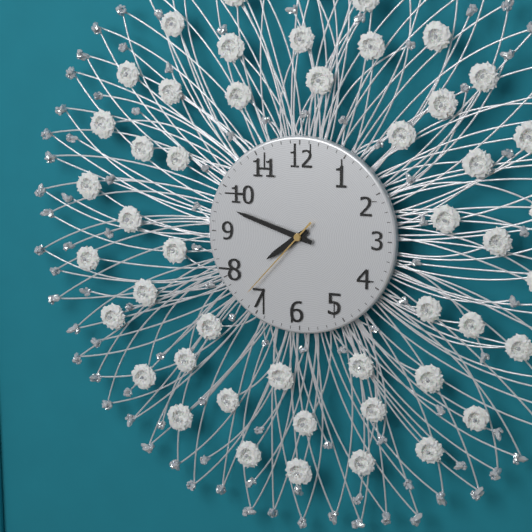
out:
7 h 48 min 37 s
